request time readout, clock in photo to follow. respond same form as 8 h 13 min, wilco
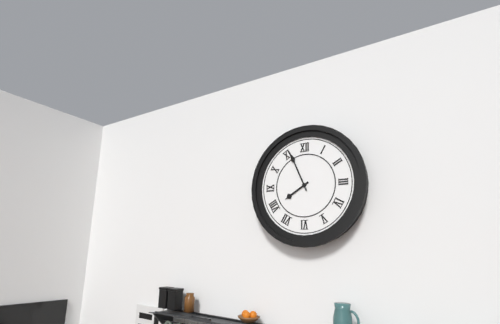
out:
7 h 56 min
